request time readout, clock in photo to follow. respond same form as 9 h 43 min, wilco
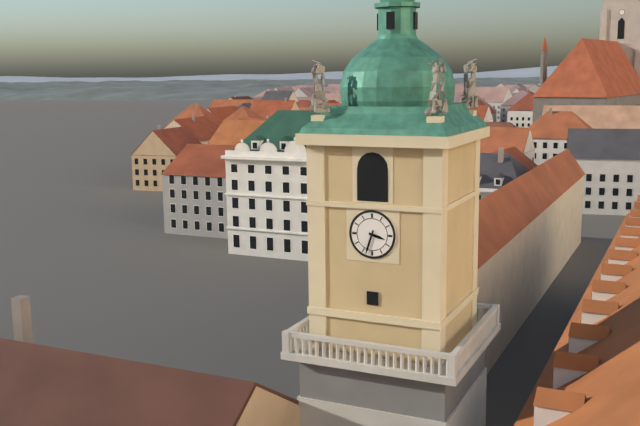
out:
3 h 33 min
